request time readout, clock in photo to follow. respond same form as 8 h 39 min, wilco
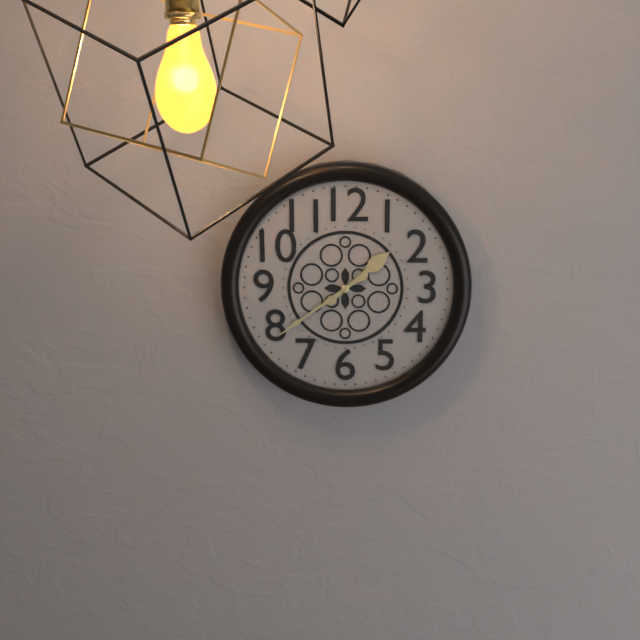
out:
1 h 39 min
